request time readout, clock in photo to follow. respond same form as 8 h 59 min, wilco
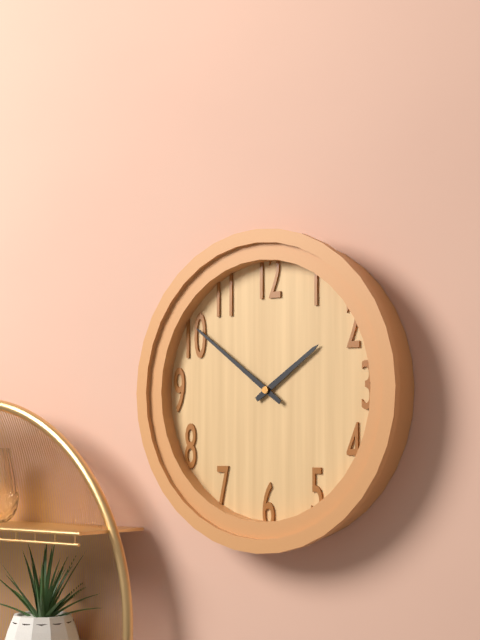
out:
1 h 51 min
